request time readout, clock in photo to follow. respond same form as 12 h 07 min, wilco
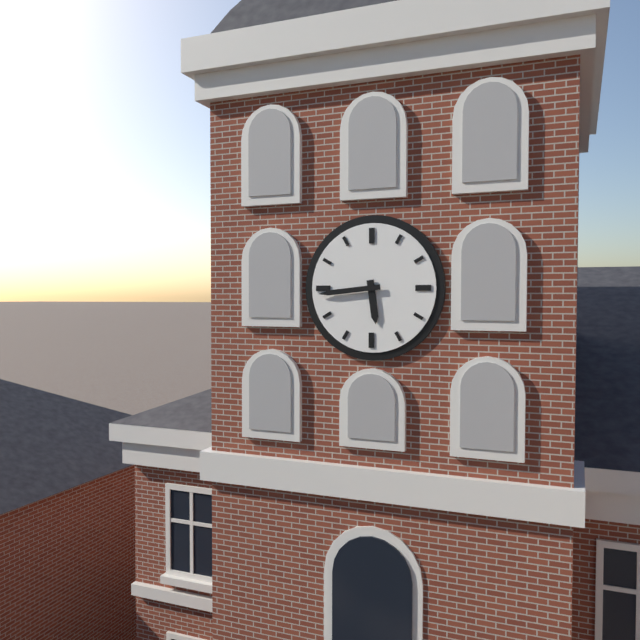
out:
5 h 44 min
